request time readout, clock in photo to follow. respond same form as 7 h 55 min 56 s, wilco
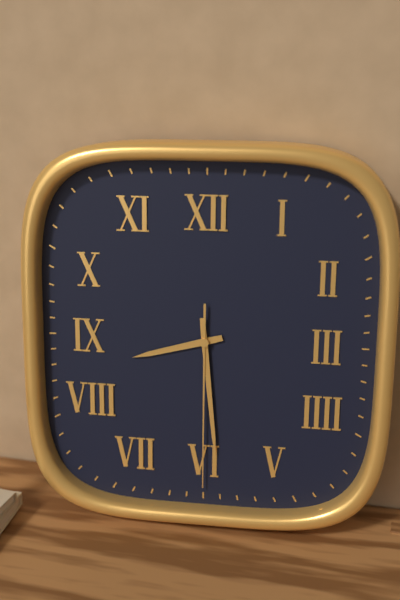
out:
8 h 29 min 30 s
